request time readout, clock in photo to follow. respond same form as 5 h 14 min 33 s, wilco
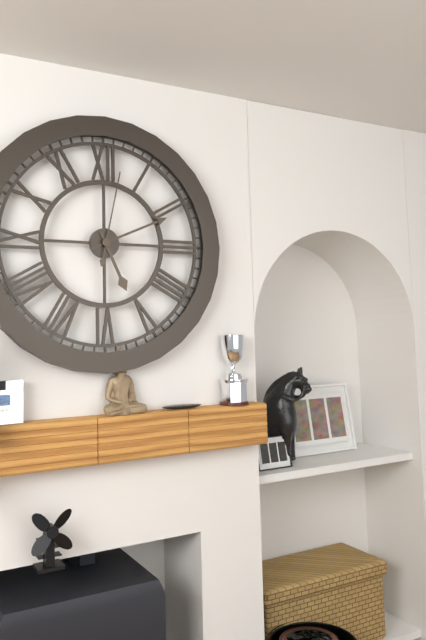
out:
5 h 11 min 02 s
